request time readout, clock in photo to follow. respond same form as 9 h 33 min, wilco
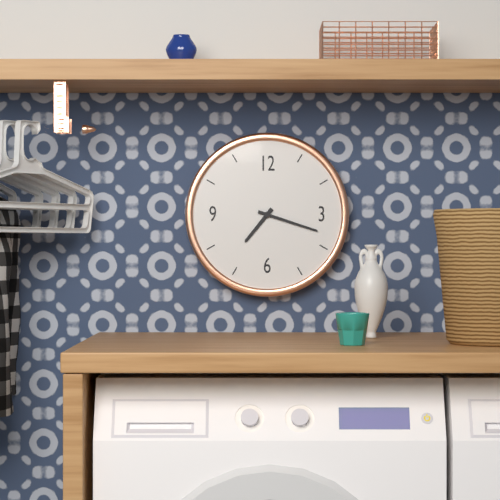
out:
7 h 18 min
